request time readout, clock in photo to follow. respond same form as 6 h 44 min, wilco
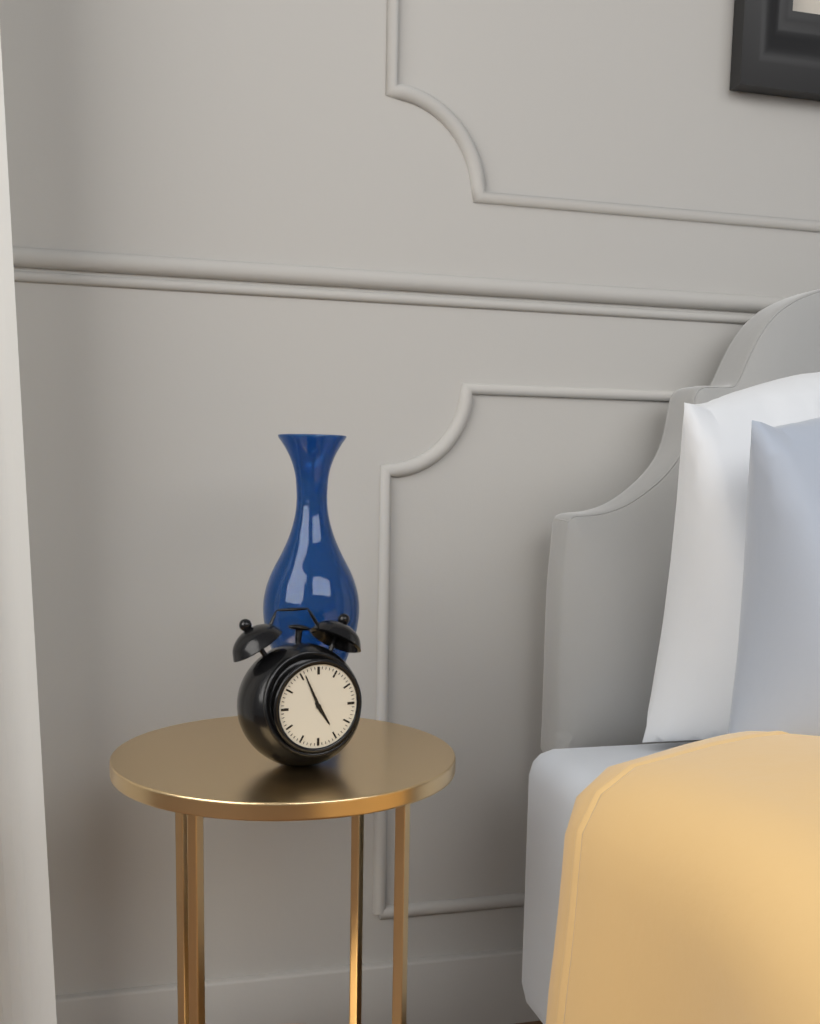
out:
4 h 56 min
